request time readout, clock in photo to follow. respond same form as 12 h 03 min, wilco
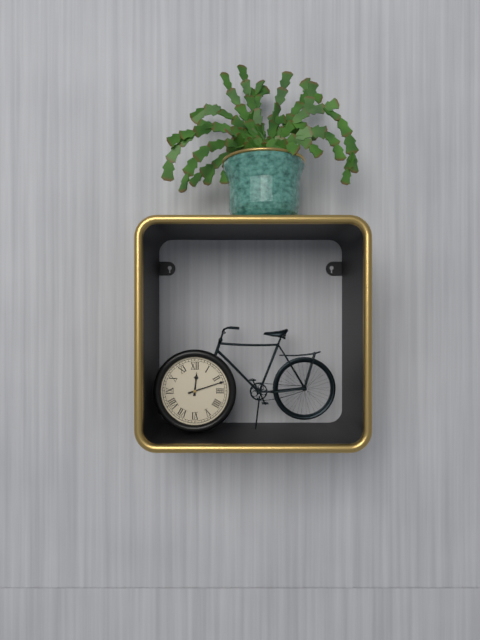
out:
12 h 12 min
